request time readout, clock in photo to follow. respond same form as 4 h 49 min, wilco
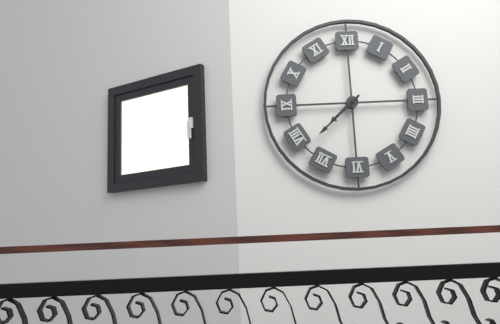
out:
7 h 38 min
